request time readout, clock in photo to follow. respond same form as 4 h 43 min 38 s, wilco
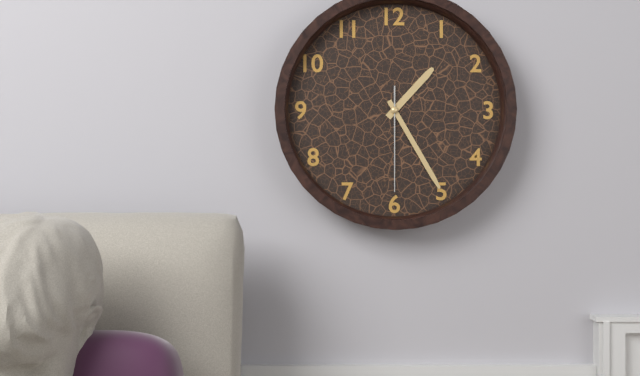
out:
1 h 25 min 30 s
